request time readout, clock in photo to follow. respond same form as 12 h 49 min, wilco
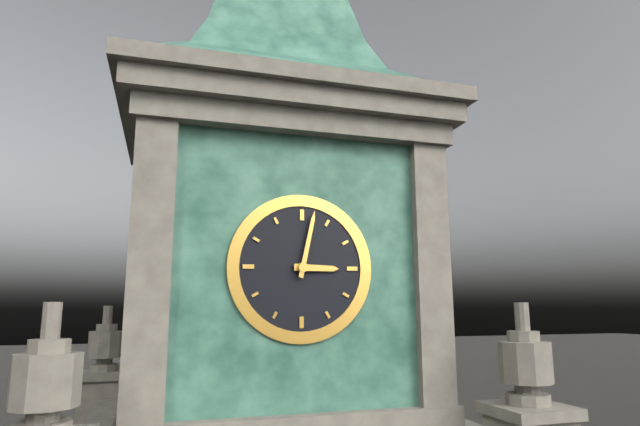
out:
3 h 02 min
